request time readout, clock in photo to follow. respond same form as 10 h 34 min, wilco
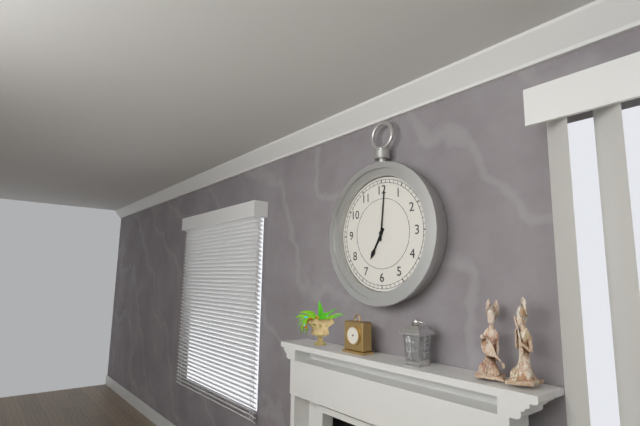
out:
7 h 01 min
